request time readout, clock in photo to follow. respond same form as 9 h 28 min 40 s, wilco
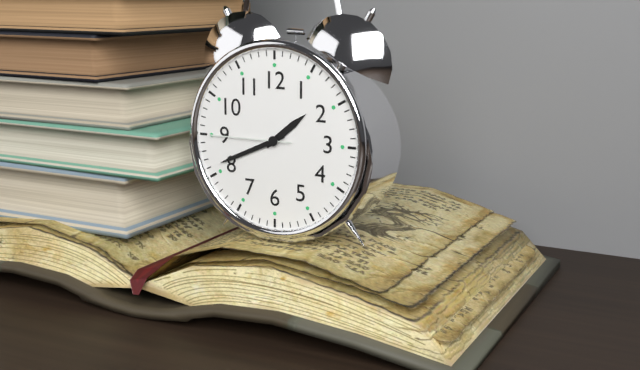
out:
1 h 41 min 45 s
